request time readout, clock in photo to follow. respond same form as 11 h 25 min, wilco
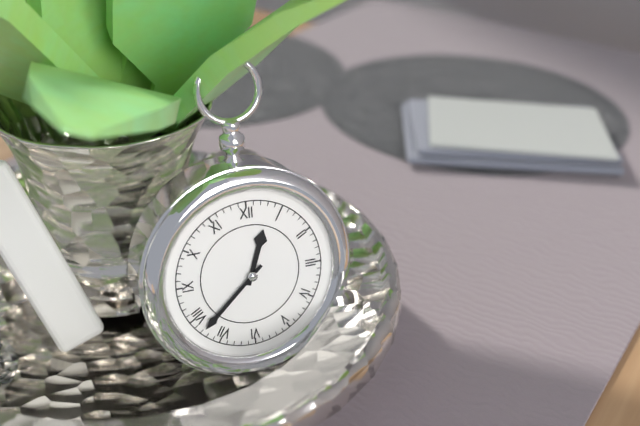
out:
12 h 38 min
